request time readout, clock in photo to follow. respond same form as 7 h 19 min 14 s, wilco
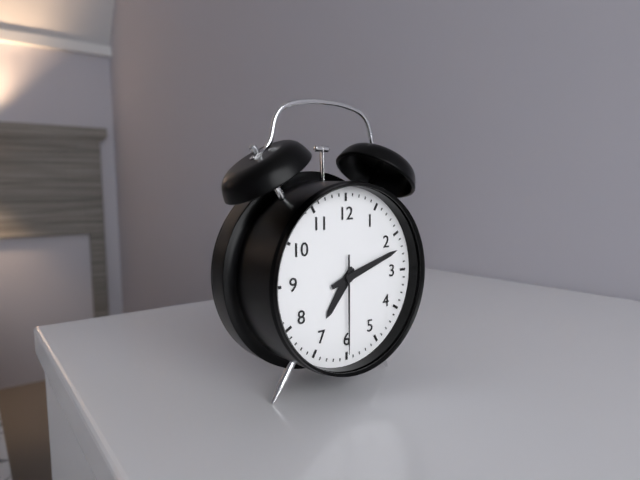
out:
7 h 12 min 30 s
